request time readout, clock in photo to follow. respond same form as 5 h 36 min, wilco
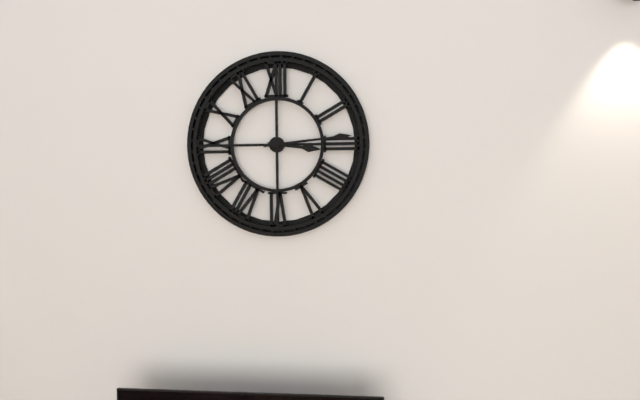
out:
3 h 14 min
